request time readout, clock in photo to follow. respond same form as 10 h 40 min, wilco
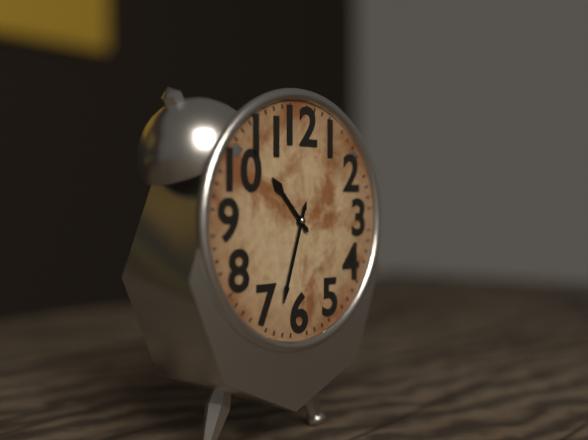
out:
10 h 33 min
